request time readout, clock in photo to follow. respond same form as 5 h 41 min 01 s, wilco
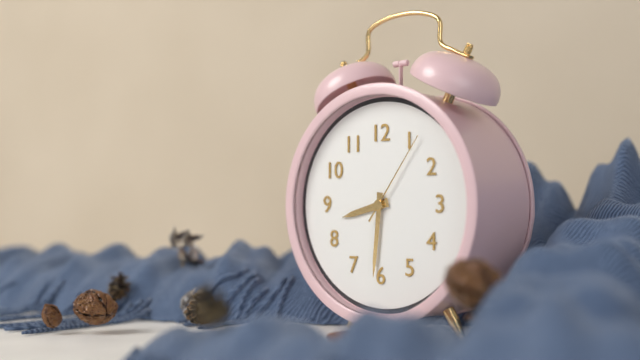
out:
8 h 31 min 06 s
